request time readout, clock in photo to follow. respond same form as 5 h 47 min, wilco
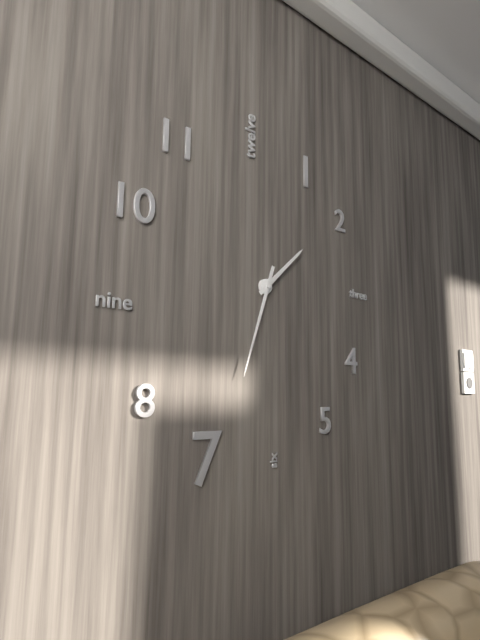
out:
1 h 33 min
